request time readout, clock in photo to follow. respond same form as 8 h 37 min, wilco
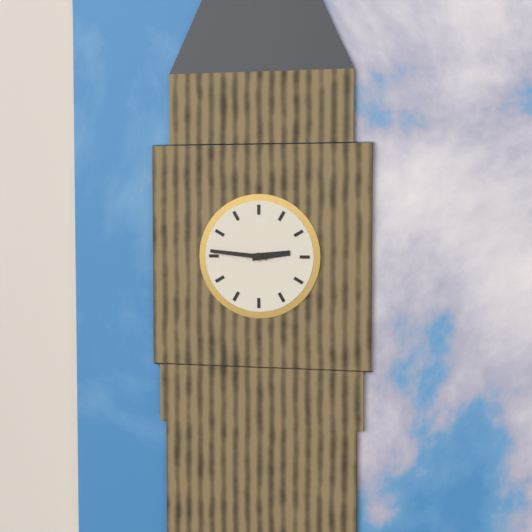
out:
2 h 46 min
